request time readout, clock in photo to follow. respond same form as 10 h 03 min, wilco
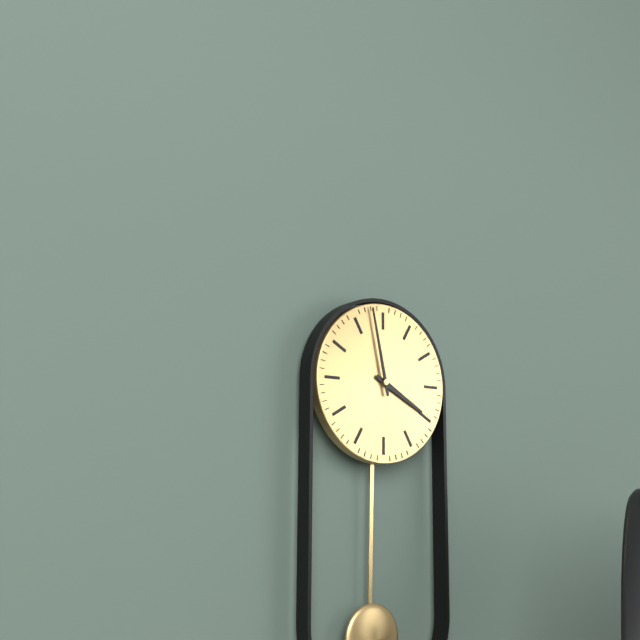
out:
3 h 58 min
